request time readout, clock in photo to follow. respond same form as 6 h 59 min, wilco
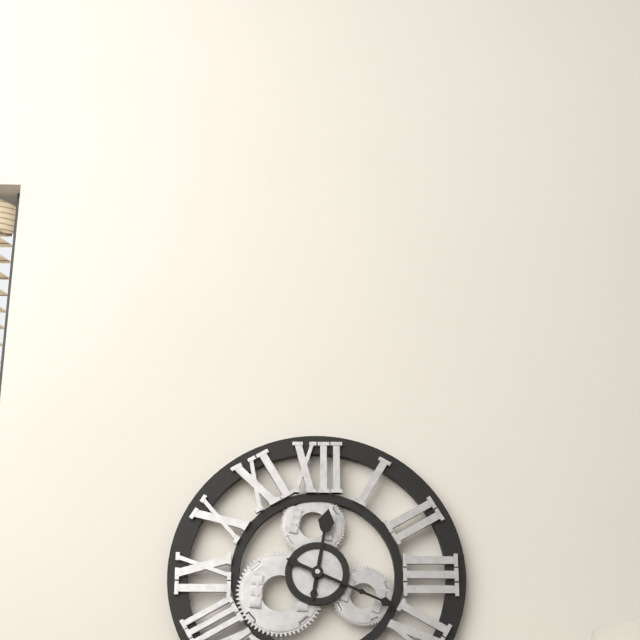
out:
12 h 19 min
